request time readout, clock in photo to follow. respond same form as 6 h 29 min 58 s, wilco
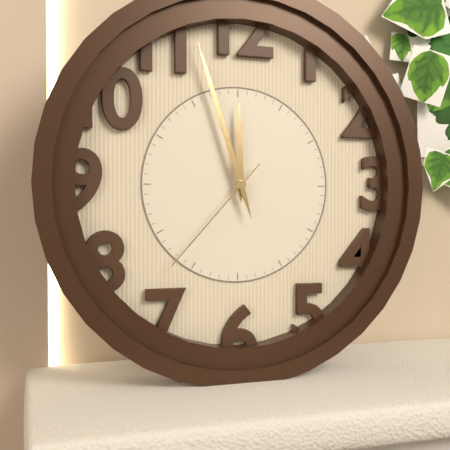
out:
11 h 57 min 37 s
